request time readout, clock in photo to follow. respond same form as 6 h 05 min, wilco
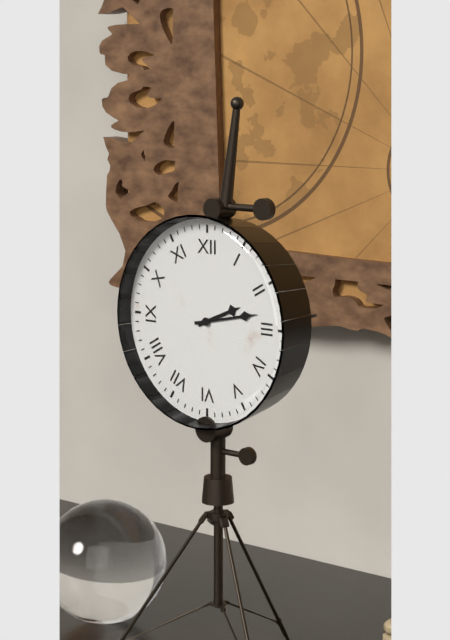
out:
2 h 13 min
